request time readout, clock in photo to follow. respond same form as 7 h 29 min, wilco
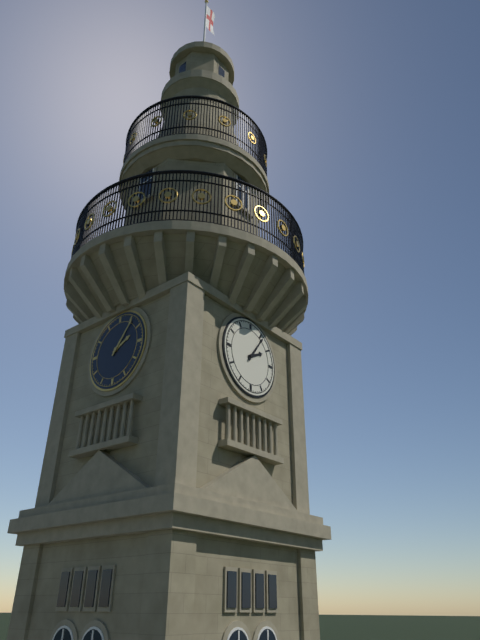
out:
2 h 06 min
